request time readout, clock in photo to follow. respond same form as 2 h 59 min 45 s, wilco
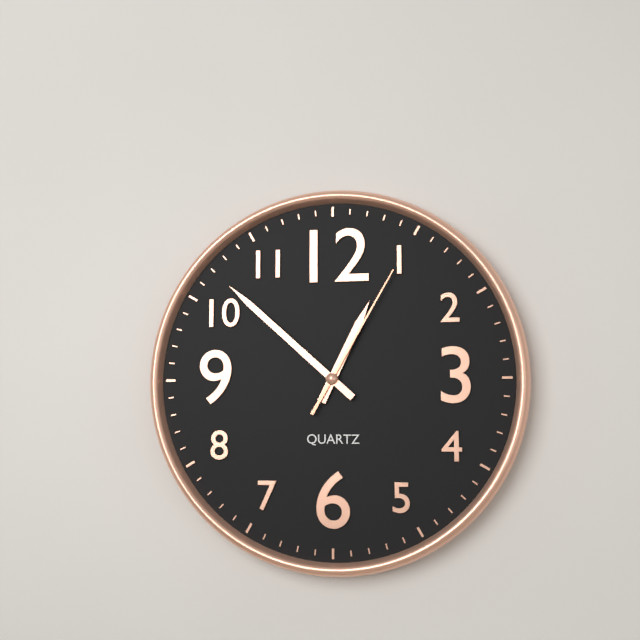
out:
12 h 52 min 05 s
